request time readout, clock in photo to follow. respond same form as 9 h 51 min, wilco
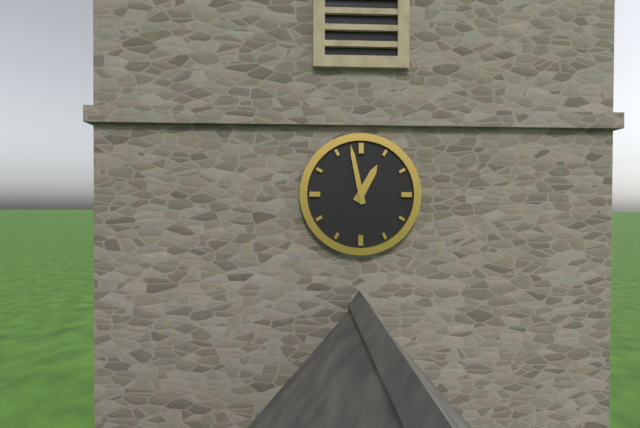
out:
12 h 58 min
